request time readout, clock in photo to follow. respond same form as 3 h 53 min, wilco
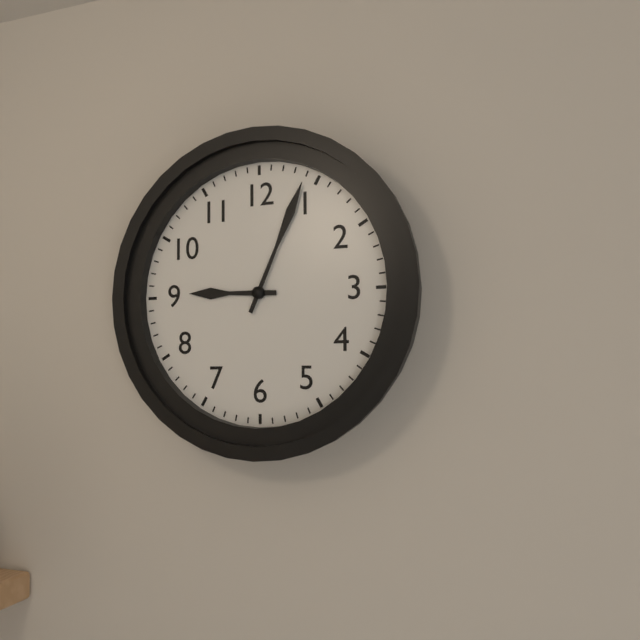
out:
9 h 04 min
